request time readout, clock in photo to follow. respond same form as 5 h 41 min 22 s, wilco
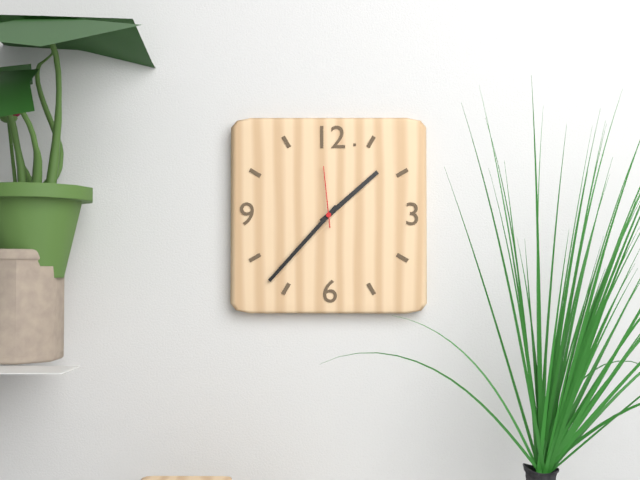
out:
1 h 37 min 59 s
